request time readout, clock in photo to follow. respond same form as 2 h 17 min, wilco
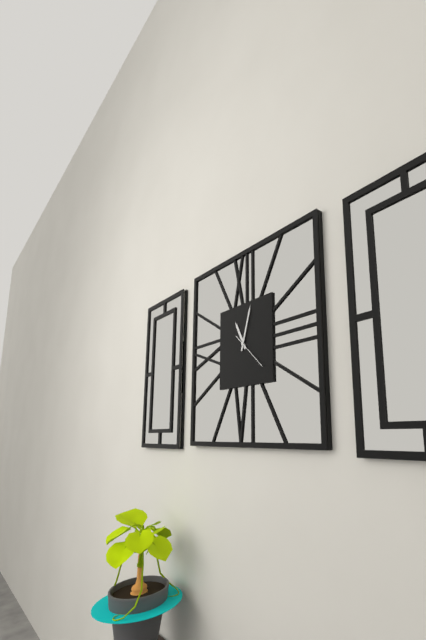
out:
11 h 03 min
